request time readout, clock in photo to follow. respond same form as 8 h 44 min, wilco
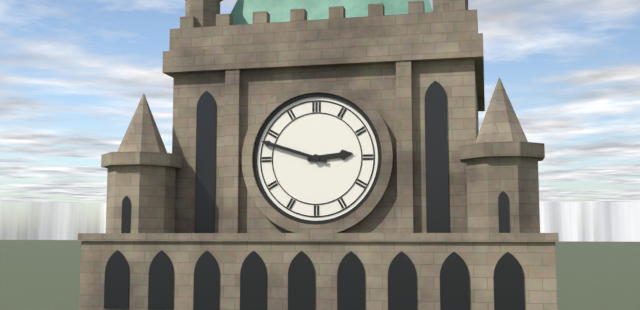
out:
2 h 48 min
